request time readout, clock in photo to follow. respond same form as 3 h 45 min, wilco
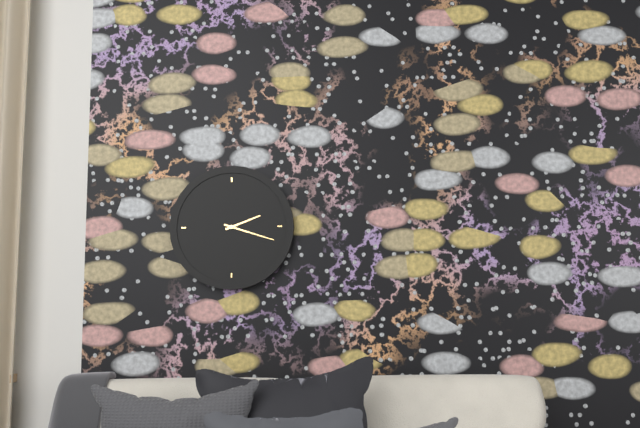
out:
2 h 18 min
